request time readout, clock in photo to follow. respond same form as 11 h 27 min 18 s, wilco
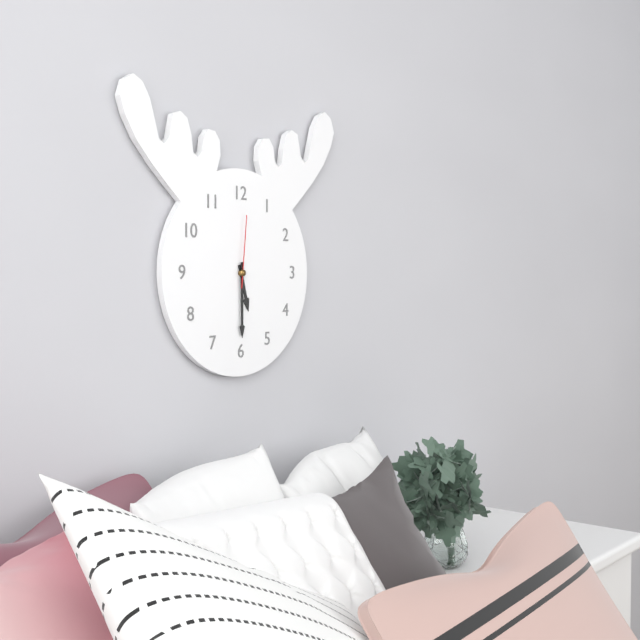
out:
5 h 30 min 01 s
